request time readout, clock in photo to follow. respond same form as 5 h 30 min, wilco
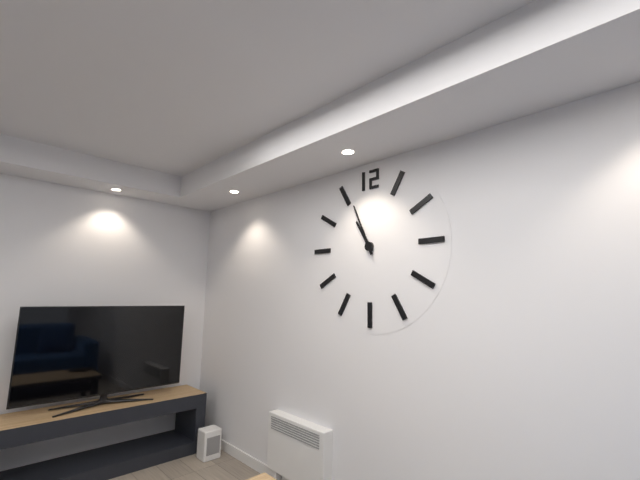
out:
10 h 56 min
